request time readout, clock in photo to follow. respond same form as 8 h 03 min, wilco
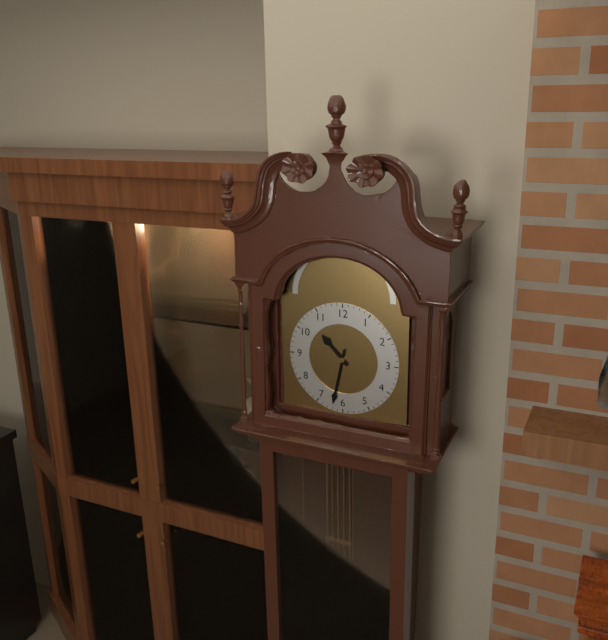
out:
10 h 32 min
